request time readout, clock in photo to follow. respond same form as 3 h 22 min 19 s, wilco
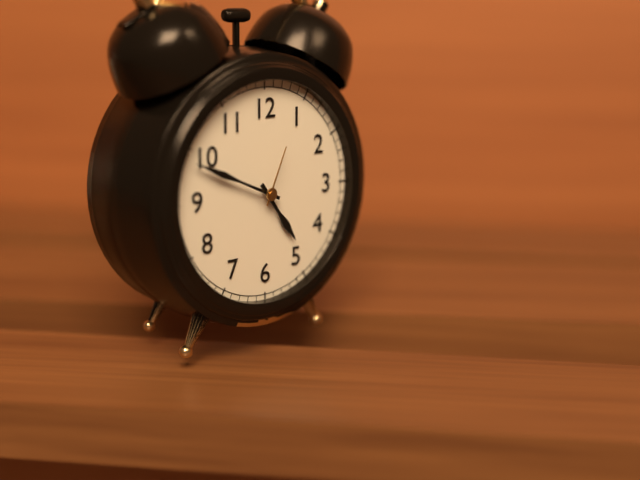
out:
4 h 49 min 04 s
